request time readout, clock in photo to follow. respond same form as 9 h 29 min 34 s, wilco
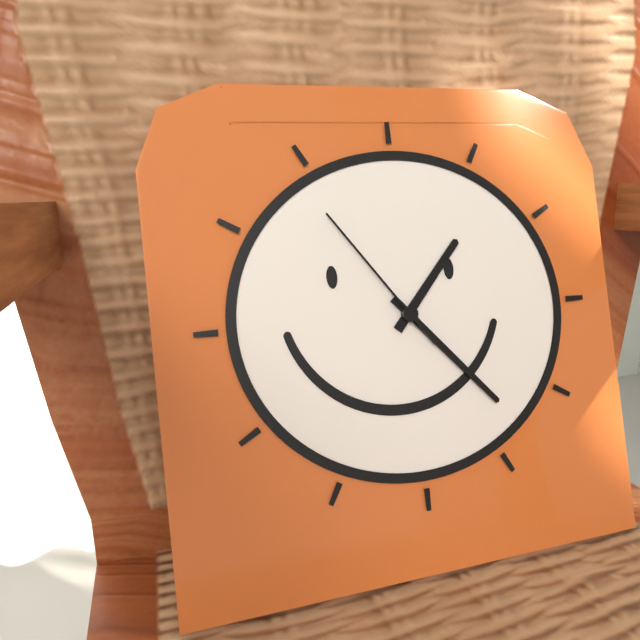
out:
1 h 23 min 54 s
